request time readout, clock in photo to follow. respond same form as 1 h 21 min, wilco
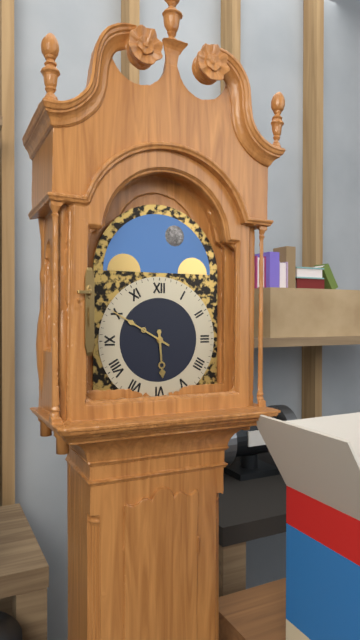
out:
5 h 50 min
